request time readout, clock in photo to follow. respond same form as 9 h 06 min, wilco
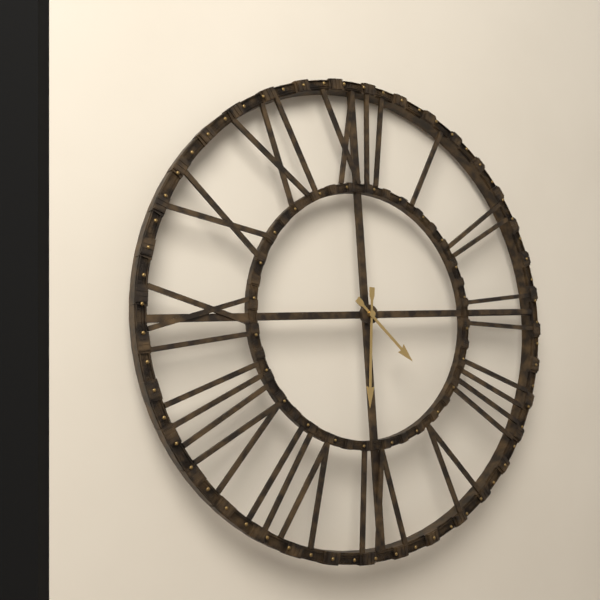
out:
4 h 31 min
